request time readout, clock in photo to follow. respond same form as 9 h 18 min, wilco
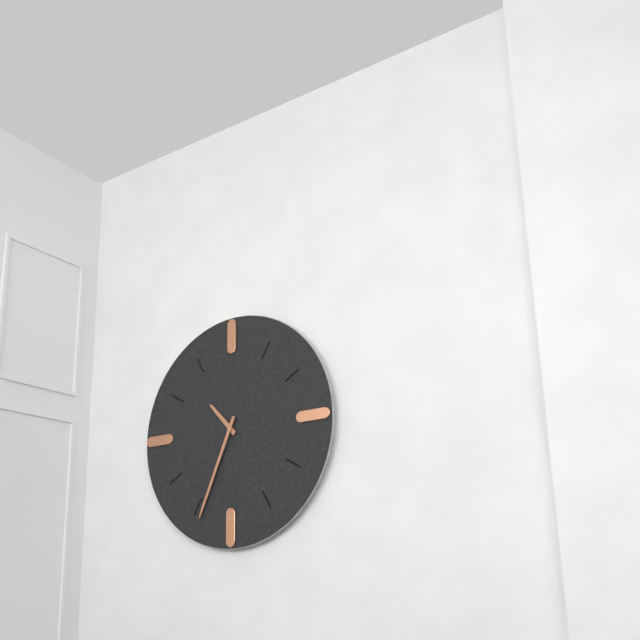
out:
10 h 34 min
